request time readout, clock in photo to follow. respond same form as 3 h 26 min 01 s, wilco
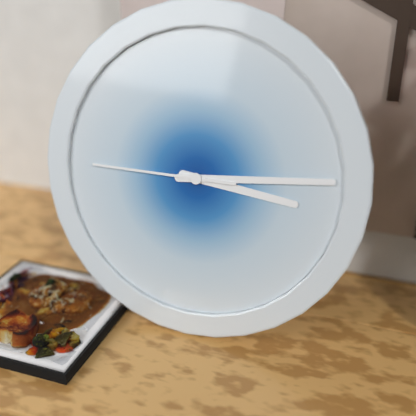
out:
3 h 14 min 45 s
